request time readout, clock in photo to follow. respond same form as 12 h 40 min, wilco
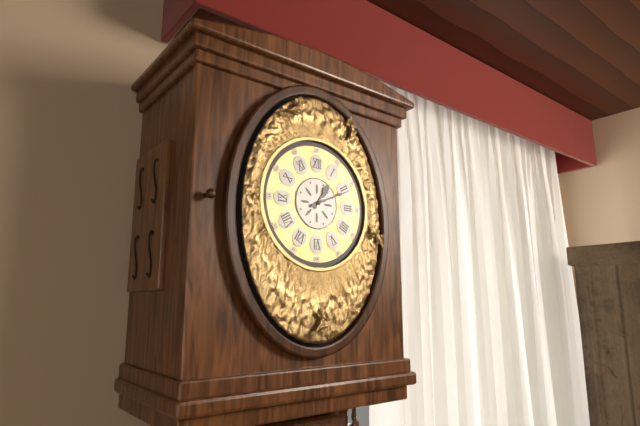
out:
1 h 11 min
